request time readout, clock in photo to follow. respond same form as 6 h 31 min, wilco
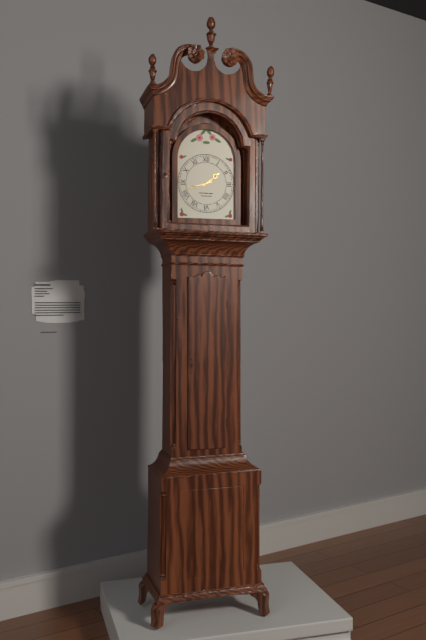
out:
1 h 42 min
